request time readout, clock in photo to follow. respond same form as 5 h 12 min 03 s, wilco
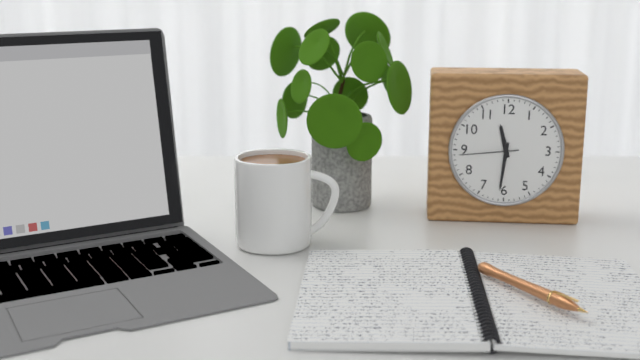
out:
11 h 31 min 44 s
